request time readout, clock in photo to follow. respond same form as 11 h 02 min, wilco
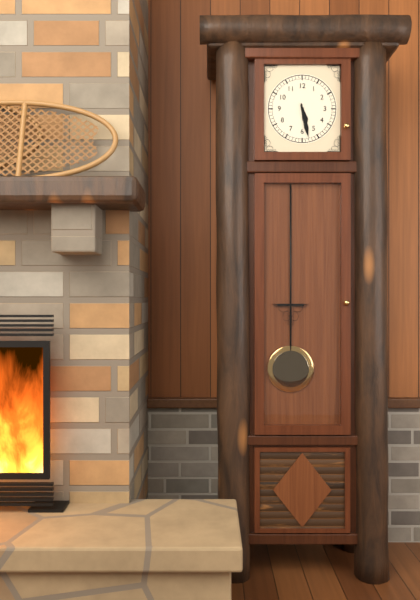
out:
5 h 28 min
